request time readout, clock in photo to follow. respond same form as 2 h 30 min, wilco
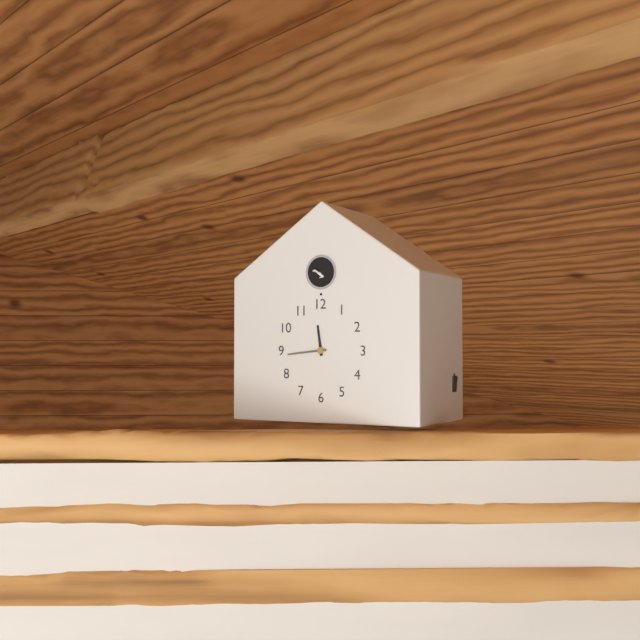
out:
11 h 44 min
